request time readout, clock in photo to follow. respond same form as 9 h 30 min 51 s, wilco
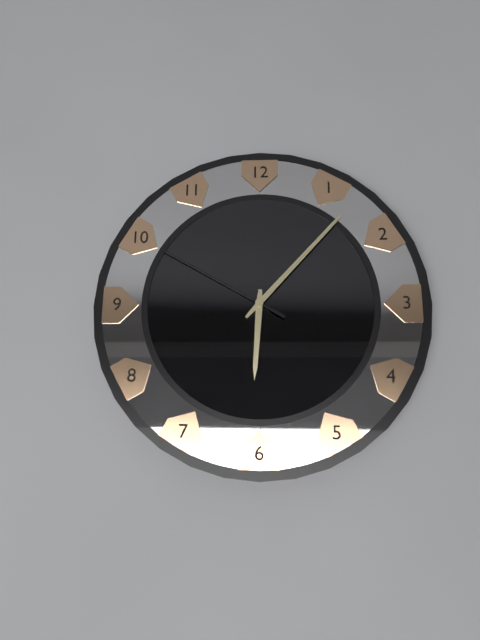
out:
6 h 07 min 50 s
